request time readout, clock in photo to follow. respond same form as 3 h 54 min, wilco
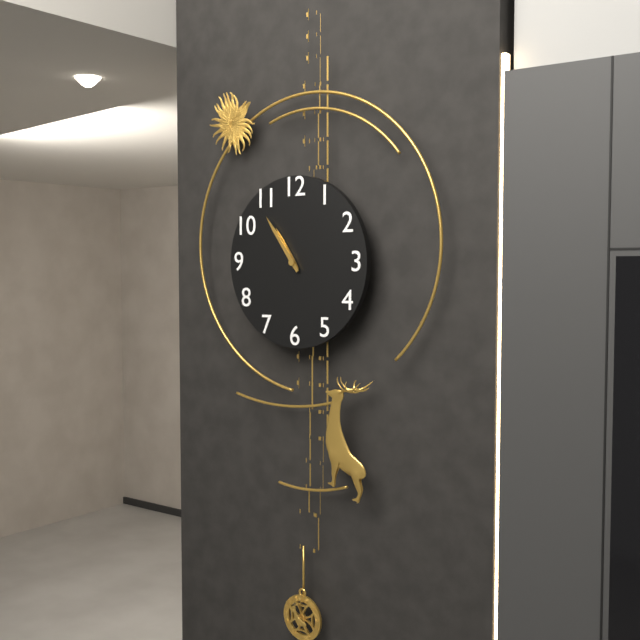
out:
10 h 54 min
